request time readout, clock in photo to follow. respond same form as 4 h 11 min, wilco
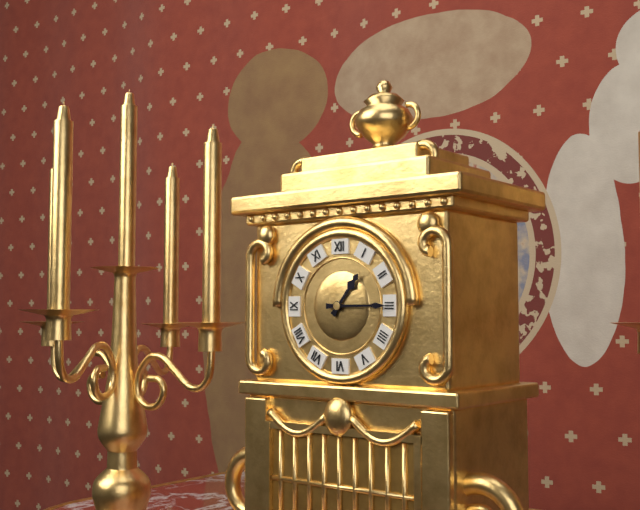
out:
1 h 15 min
